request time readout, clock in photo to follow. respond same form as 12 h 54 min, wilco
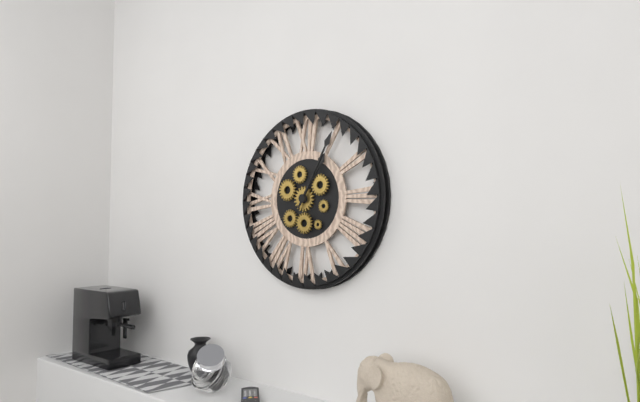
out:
1 h 05 min
